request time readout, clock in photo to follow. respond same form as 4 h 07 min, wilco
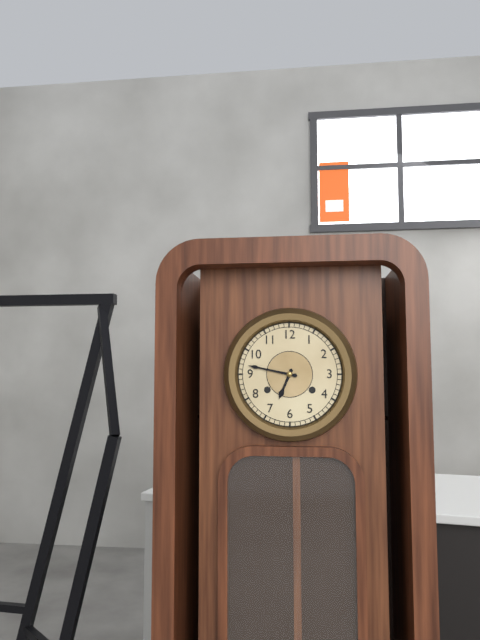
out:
6 h 47 min
